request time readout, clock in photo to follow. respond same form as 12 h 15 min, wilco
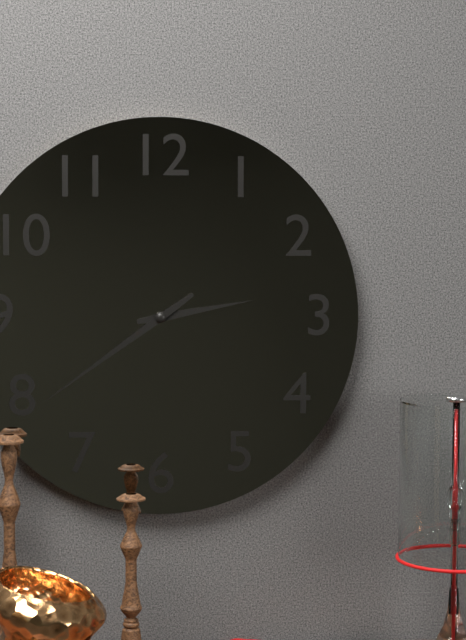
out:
2 h 39 min
